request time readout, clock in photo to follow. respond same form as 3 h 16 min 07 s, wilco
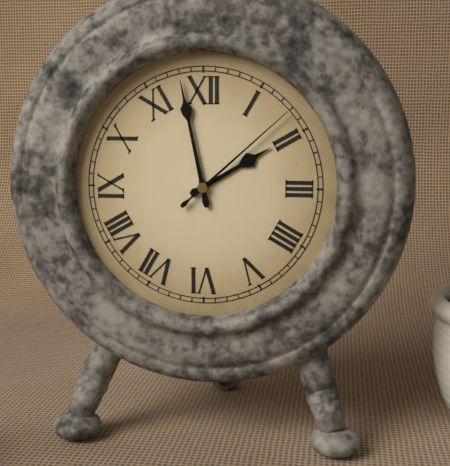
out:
1 h 58 min 08 s
